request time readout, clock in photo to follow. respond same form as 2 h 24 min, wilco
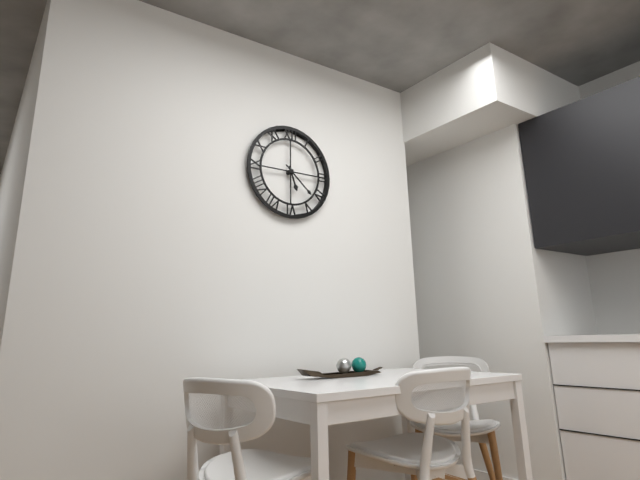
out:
5 h 22 min
